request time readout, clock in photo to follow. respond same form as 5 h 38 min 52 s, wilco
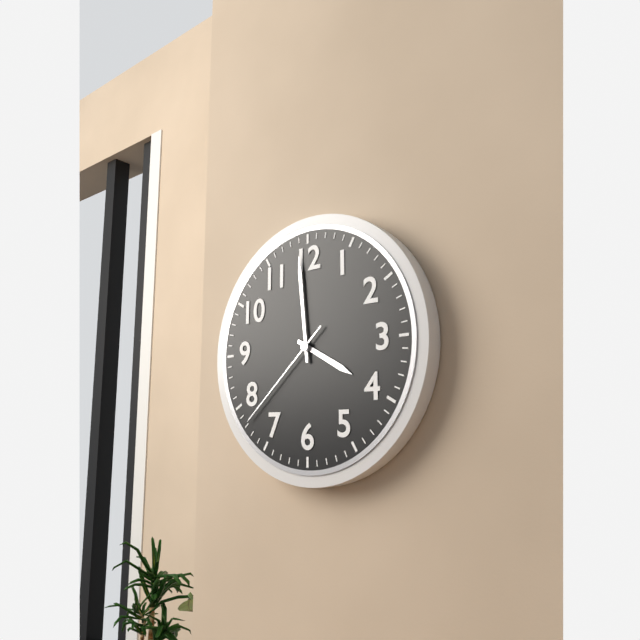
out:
3 h 59 min 38 s
